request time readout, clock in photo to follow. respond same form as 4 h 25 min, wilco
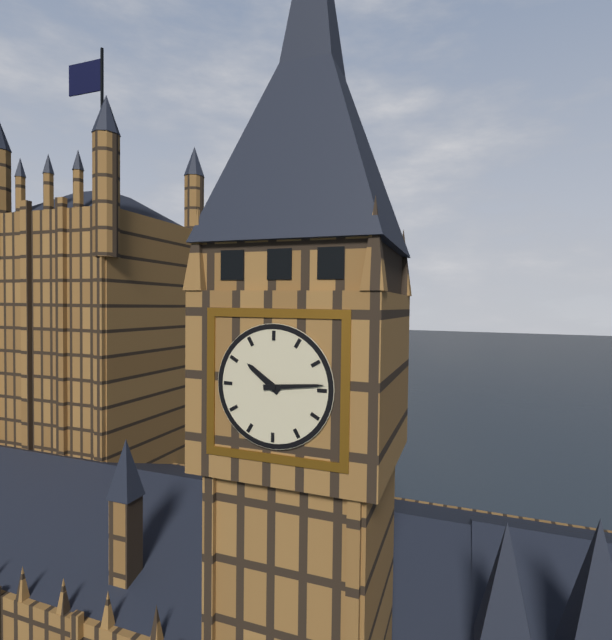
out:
10 h 14 min
